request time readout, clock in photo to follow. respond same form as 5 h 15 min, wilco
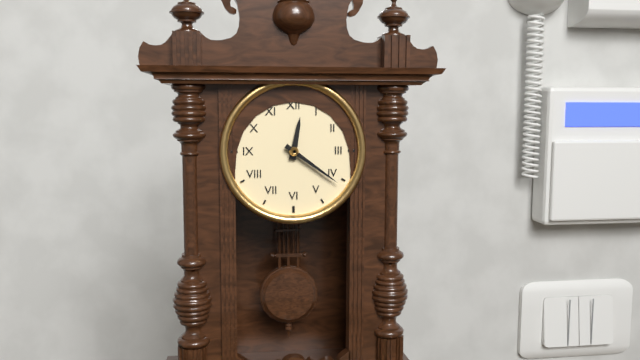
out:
12 h 21 min
